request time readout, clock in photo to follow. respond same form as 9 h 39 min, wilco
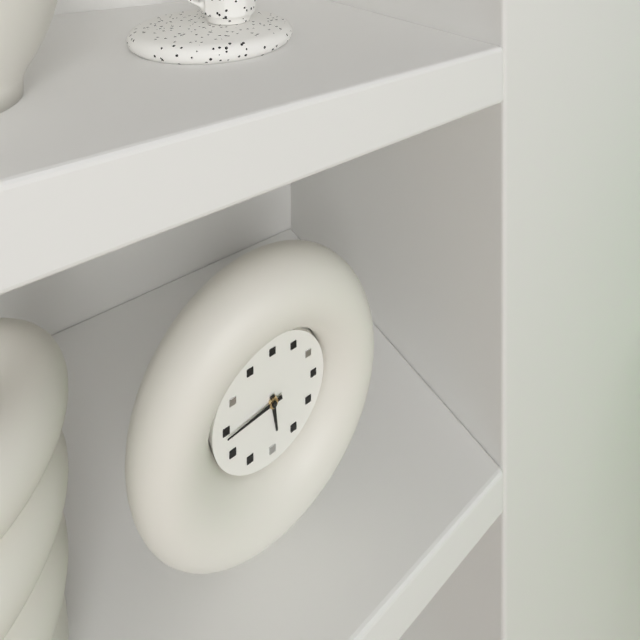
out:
5 h 44 min
